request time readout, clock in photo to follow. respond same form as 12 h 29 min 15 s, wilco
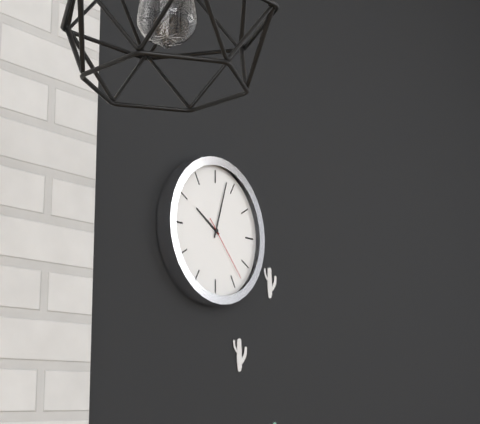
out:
10 h 03 min 23 s
